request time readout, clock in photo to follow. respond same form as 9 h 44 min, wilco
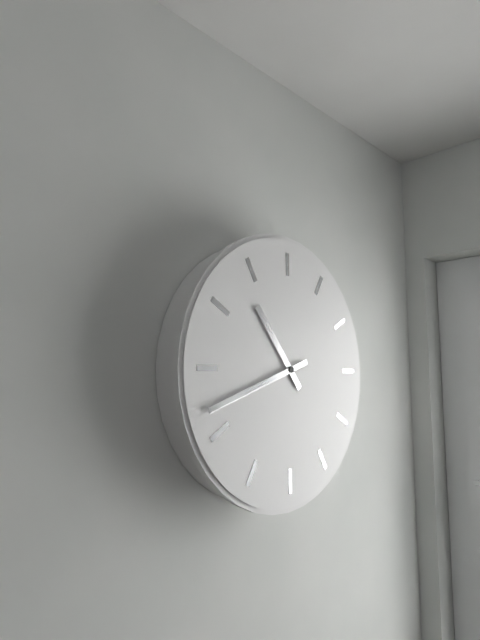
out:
10 h 42 min
